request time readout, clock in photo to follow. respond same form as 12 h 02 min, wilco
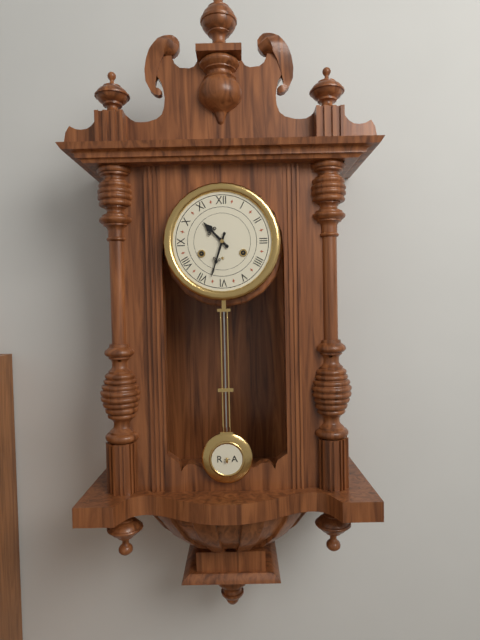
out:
10 h 33 min
